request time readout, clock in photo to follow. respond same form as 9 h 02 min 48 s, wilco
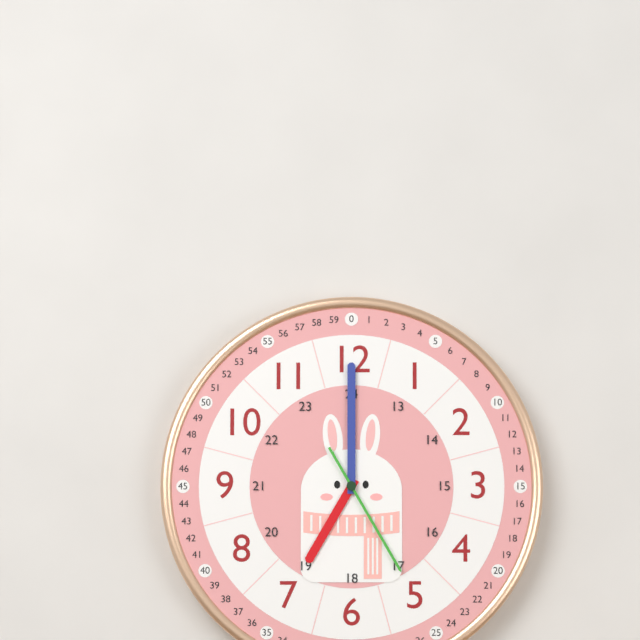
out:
7 h 00 min 25 s
